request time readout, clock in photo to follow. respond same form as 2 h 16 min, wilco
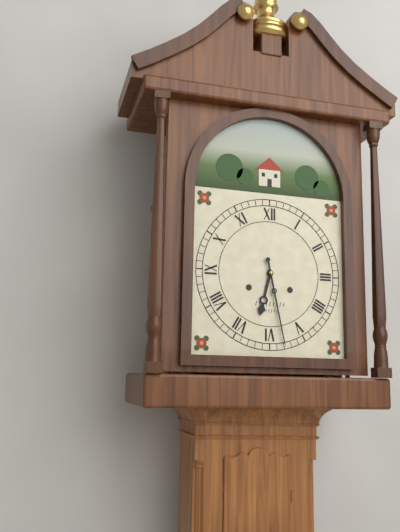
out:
6 h 28 min
